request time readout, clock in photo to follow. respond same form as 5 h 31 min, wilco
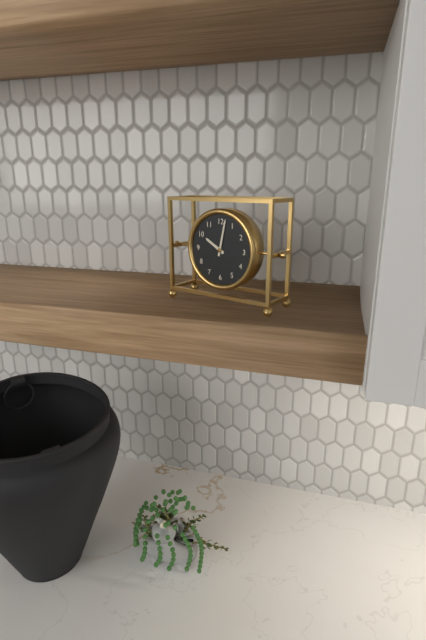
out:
10 h 02 min
